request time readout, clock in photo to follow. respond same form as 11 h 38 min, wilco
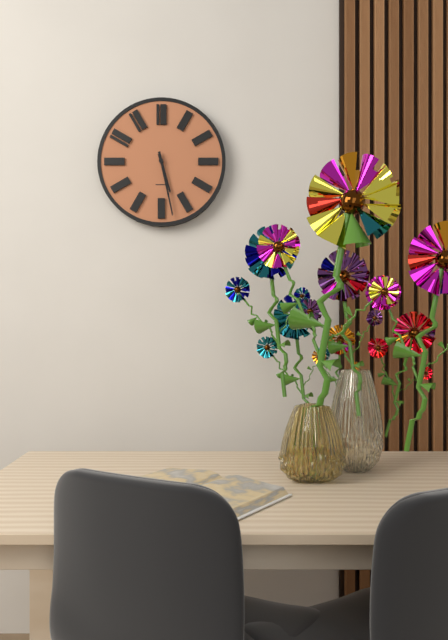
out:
5 h 28 min
